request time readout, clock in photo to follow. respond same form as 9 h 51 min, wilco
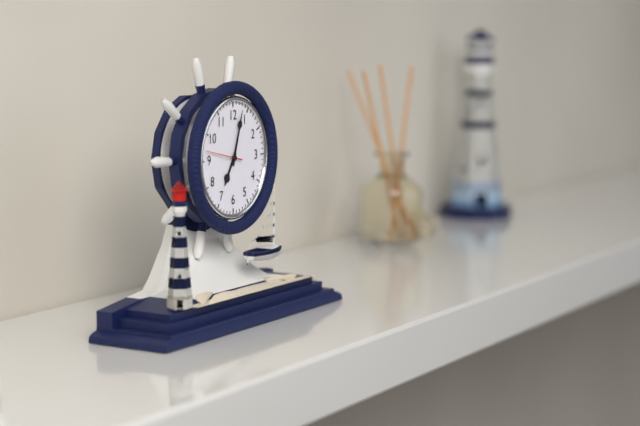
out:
7 h 03 min
